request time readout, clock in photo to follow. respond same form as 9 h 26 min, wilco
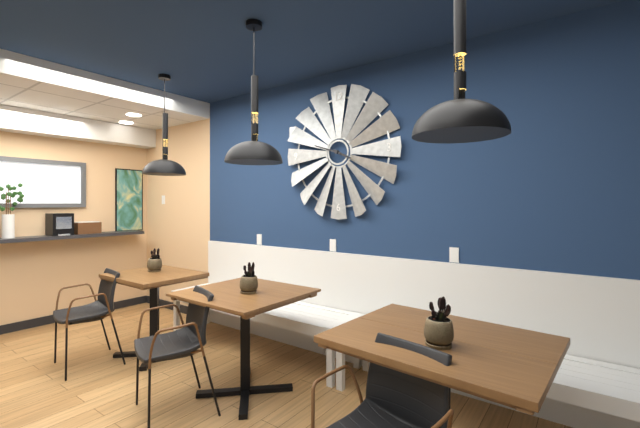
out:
3 h 48 min
